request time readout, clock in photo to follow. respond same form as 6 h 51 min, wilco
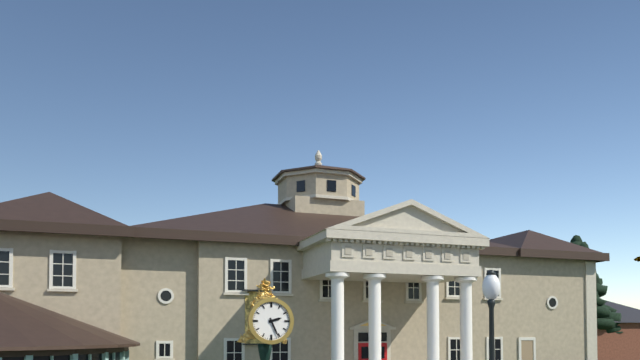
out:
2 h 26 min
